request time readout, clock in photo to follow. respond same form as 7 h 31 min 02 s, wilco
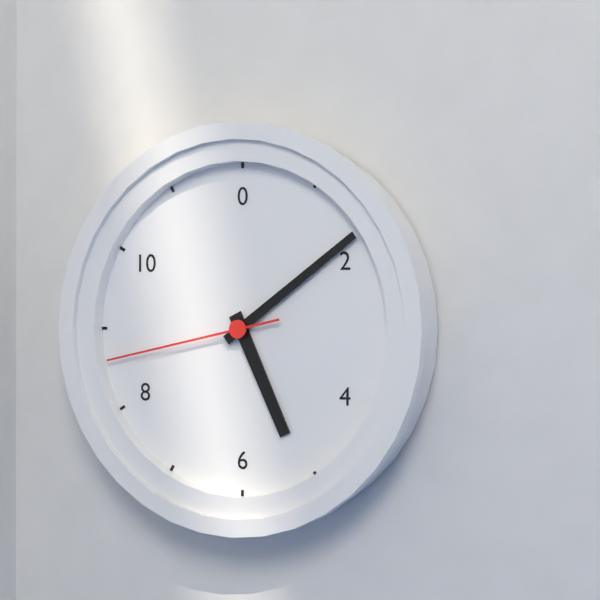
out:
5 h 09 min 43 s
